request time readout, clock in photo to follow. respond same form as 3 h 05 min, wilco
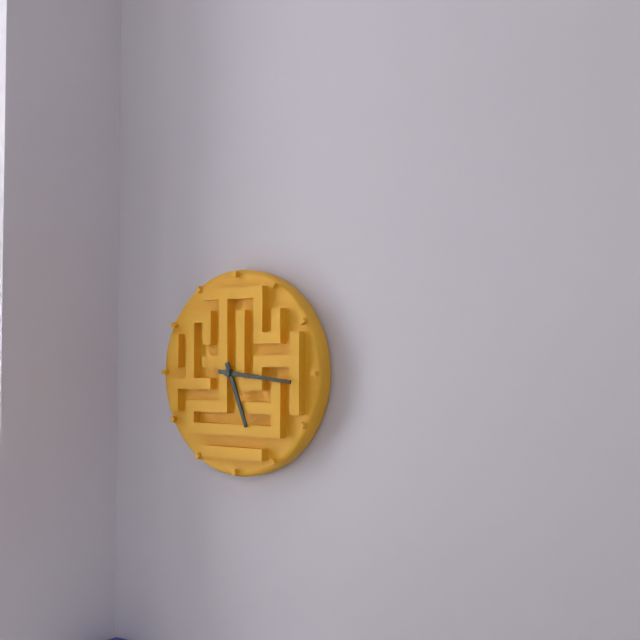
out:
5 h 16 min
